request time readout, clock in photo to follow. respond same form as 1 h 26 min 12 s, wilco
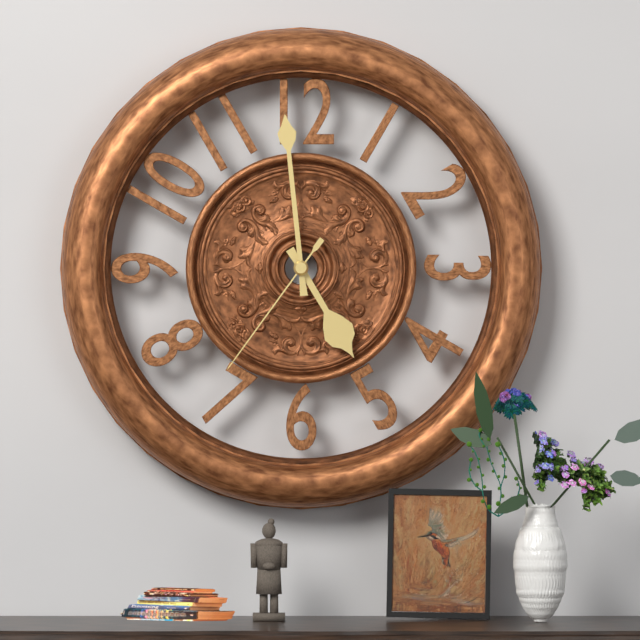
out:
4 h 59 min 36 s
